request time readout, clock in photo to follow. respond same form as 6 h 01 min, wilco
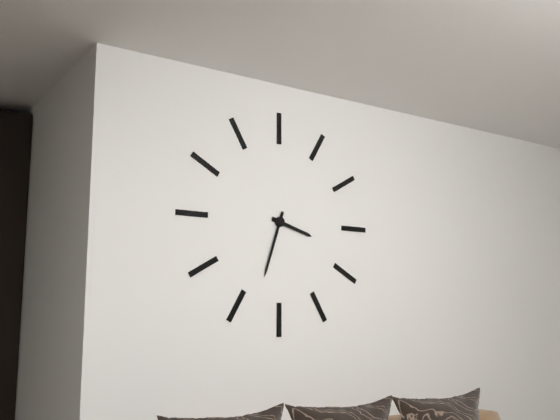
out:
3 h 33 min
